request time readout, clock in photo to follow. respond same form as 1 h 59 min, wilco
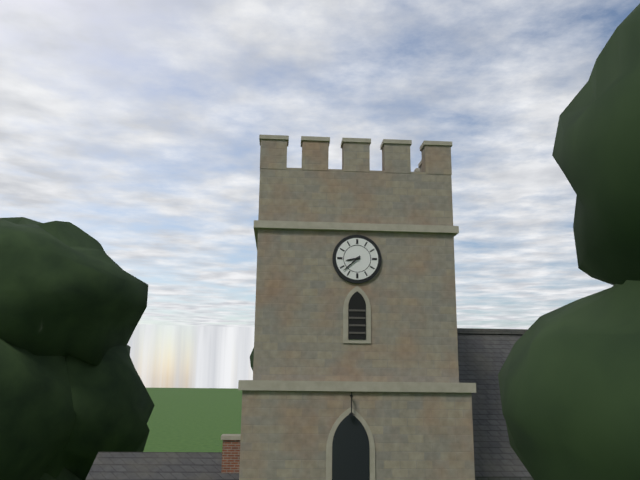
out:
8 h 38 min
